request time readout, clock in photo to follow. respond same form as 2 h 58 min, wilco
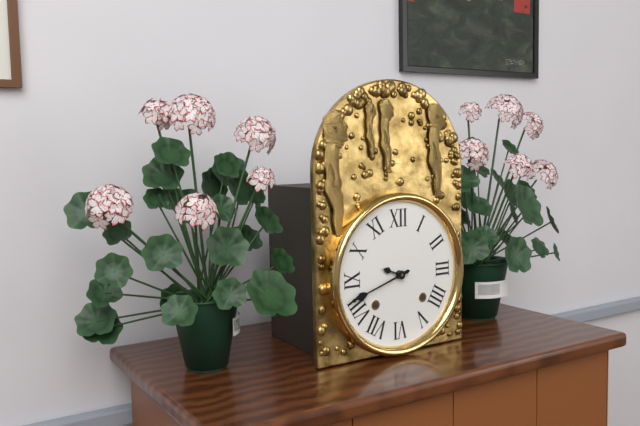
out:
9 h 42 min
